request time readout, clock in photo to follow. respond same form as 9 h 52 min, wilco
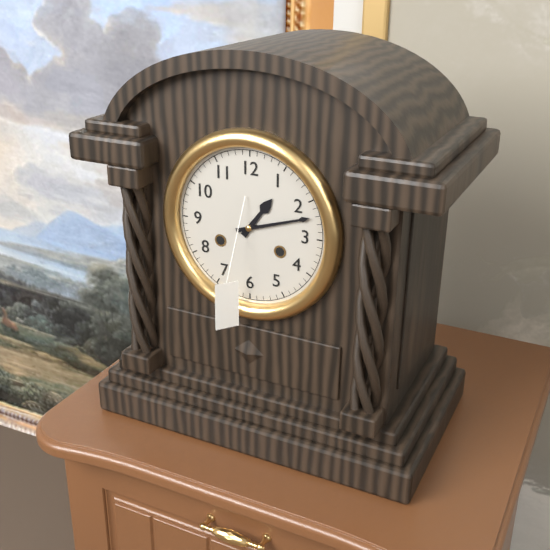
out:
1 h 12 min
